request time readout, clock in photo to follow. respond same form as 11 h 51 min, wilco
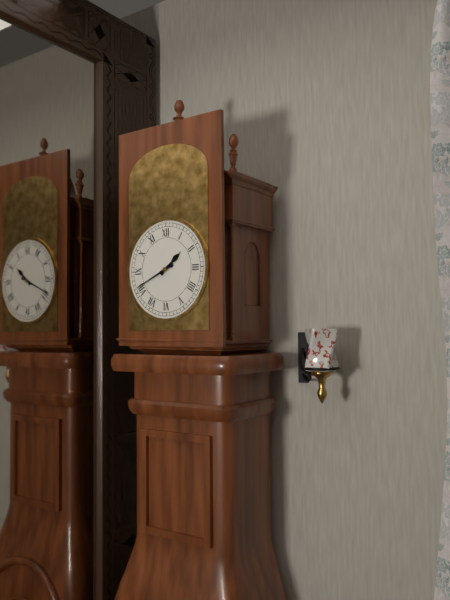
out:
1 h 41 min
